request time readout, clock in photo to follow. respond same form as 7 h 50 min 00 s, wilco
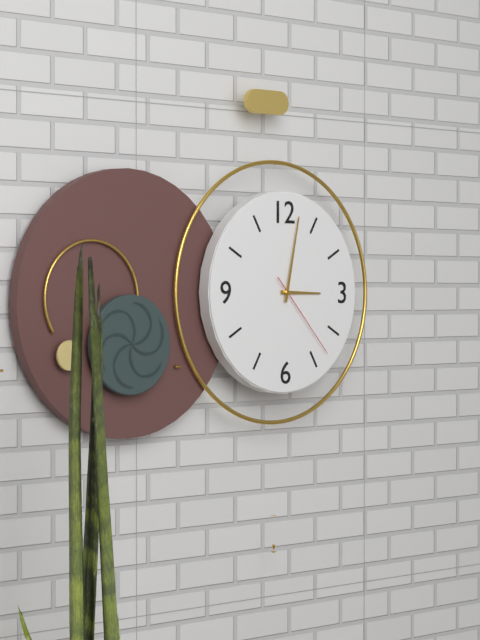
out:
3 h 02 min 23 s
